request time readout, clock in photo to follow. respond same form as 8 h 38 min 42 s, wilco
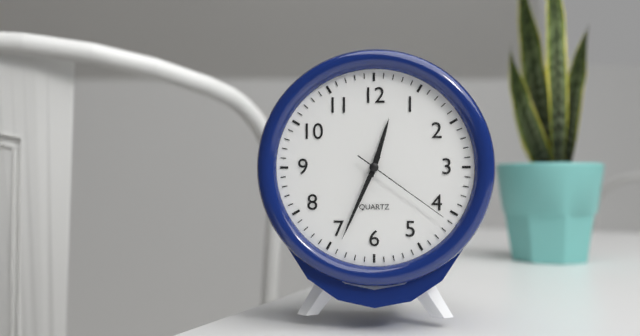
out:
12 h 34 min 21 s
